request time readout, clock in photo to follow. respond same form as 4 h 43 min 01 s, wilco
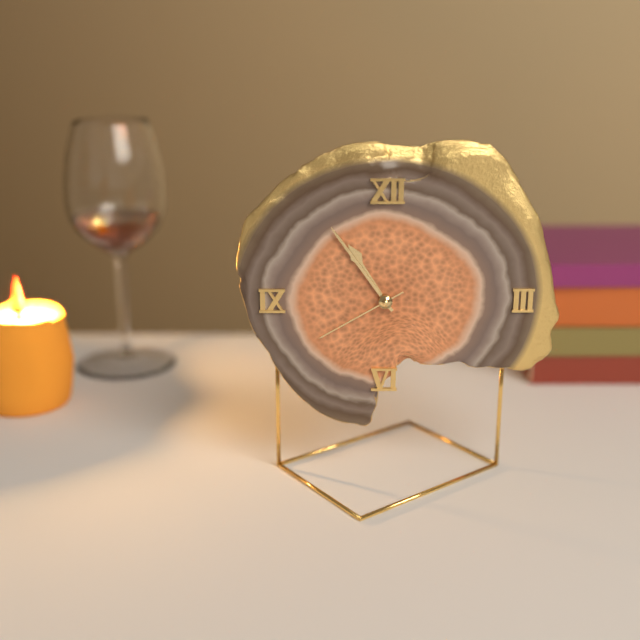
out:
10 h 54 min 40 s
